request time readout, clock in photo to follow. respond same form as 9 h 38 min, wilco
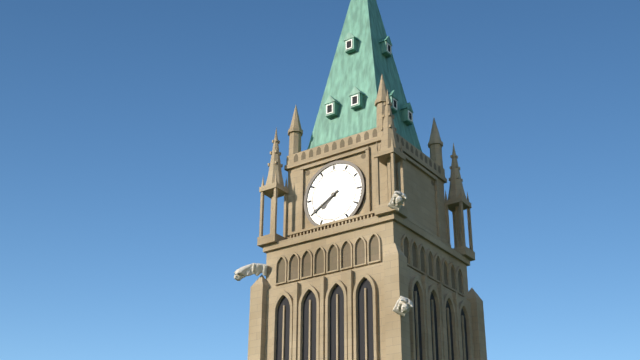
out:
7 h 40 min
